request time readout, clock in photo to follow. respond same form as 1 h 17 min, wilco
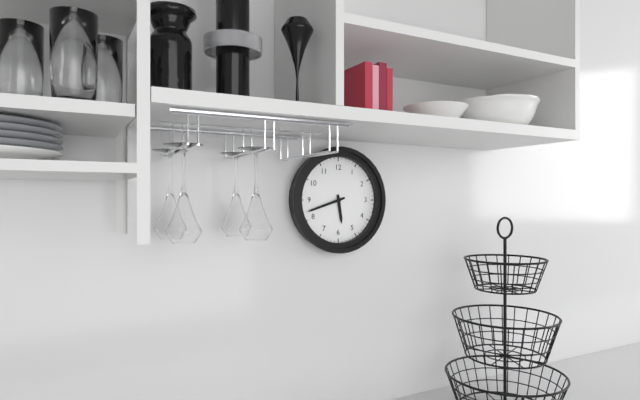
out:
5 h 42 min
